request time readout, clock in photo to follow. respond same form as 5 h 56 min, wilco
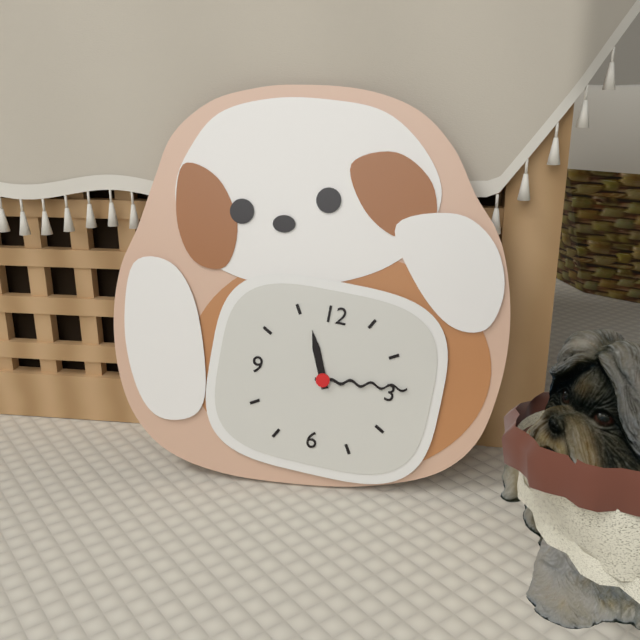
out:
11 h 14 min
